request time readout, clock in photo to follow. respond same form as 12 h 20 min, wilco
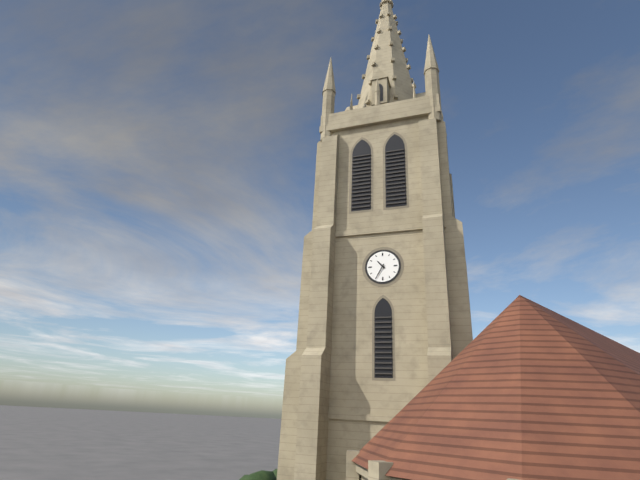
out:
10 h 35 min
